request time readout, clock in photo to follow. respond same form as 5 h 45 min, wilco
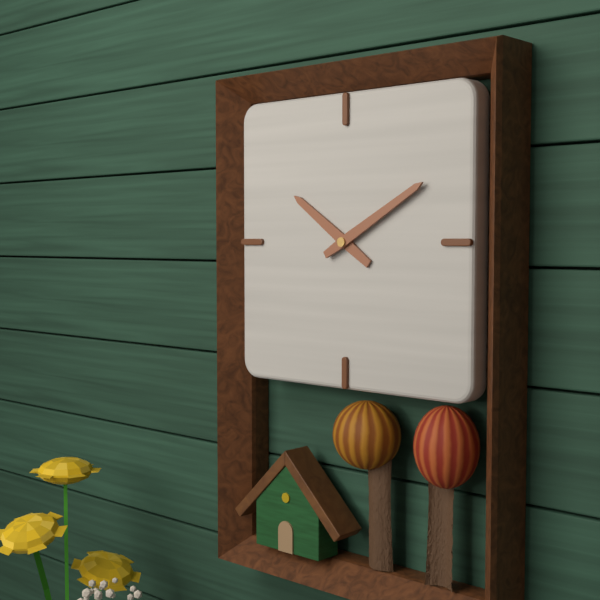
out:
10 h 10 min
